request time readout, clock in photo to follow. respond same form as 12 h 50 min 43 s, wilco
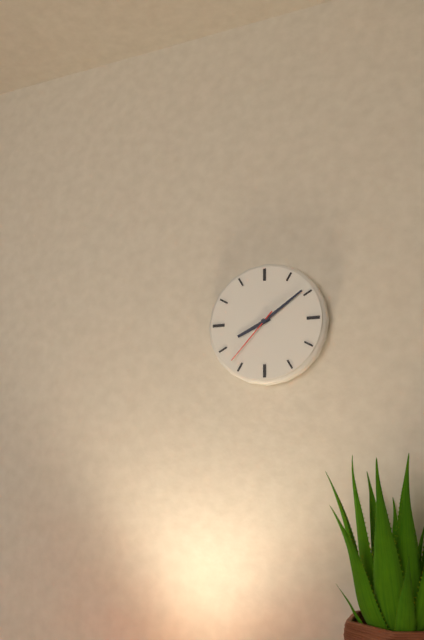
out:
8 h 09 min 37 s
